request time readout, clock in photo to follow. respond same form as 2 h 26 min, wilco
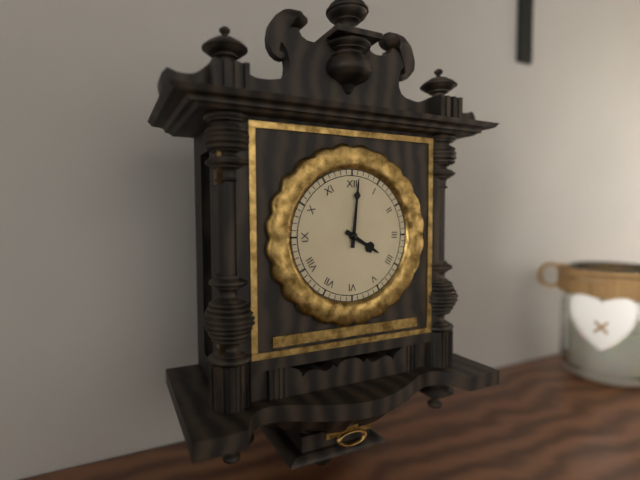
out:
4 h 01 min
